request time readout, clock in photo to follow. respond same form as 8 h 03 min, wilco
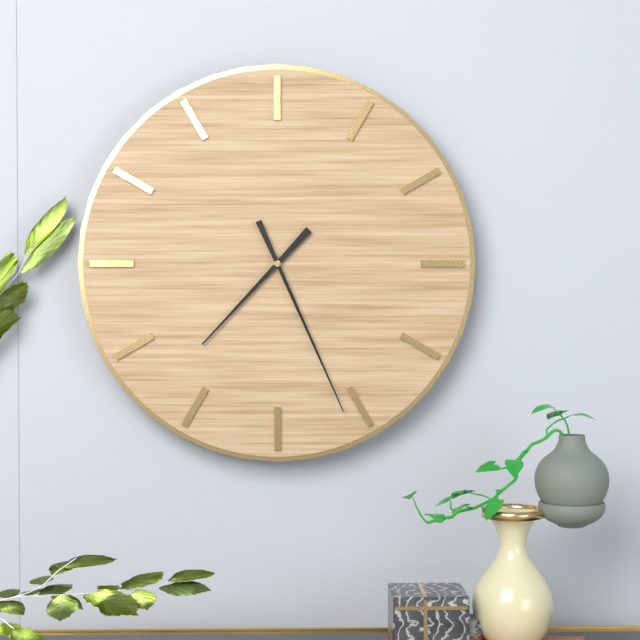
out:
7 h 26 min
